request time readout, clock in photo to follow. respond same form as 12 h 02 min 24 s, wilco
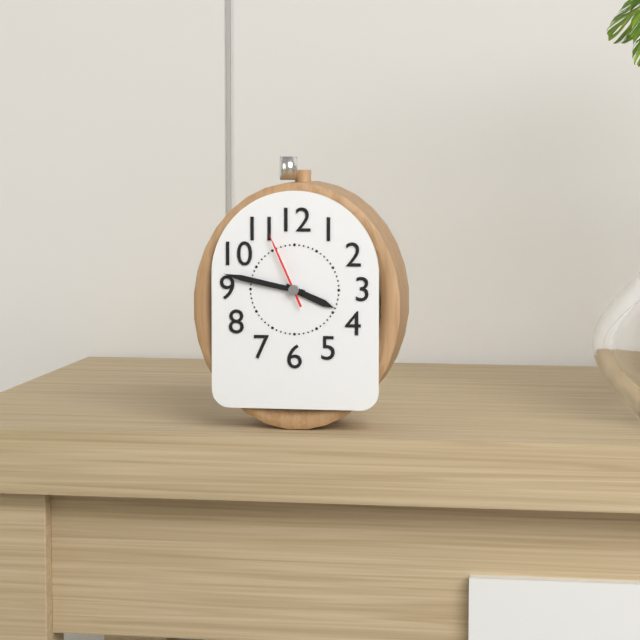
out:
3 h 47 min 56 s
